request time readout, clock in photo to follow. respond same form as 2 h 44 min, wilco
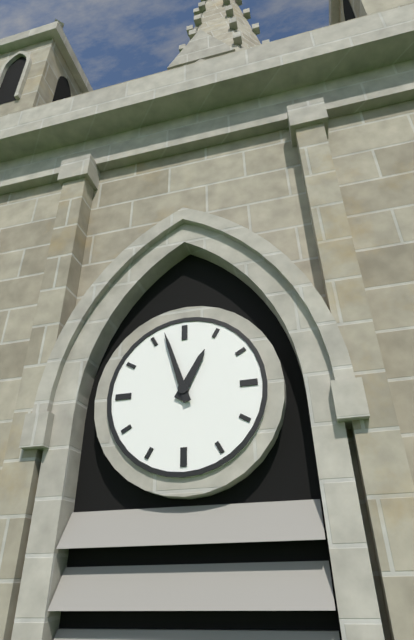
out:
12 h 57 min
